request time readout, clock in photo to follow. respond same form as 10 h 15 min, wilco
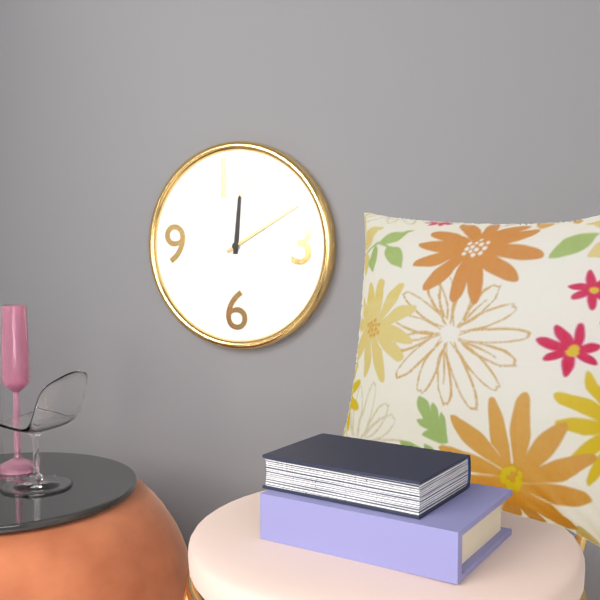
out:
12 h 10 min
